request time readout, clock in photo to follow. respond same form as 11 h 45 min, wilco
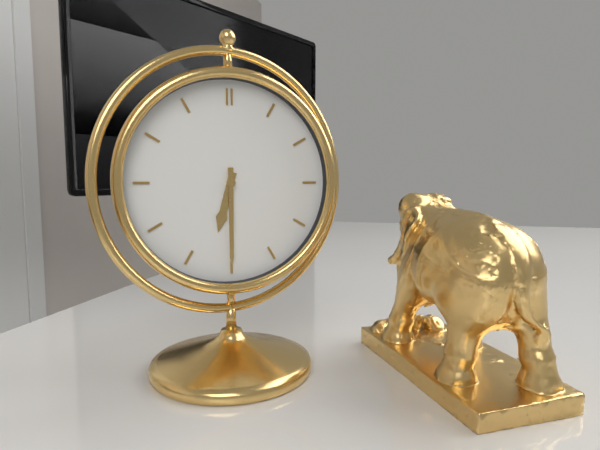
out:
6 h 30 min
